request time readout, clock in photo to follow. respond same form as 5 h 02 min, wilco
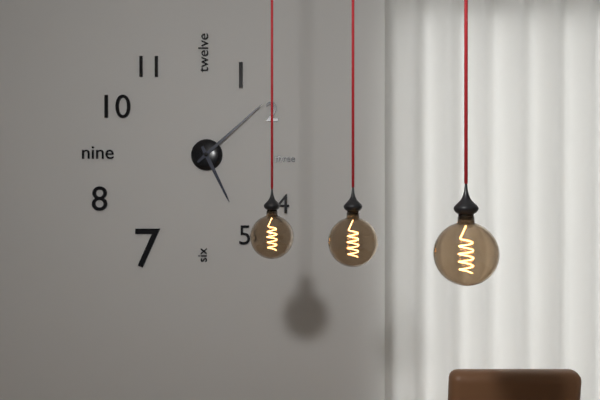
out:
5 h 08 min
